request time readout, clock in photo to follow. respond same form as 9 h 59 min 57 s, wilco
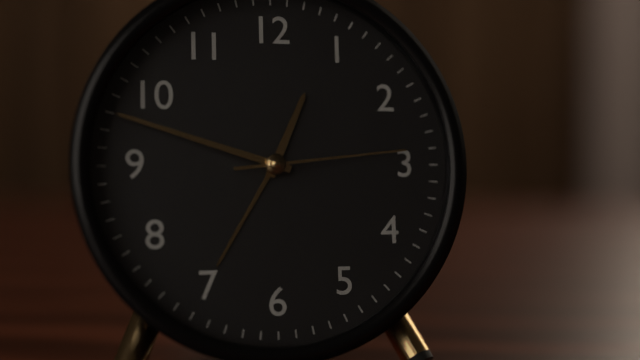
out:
12 h 48 min 14 s
